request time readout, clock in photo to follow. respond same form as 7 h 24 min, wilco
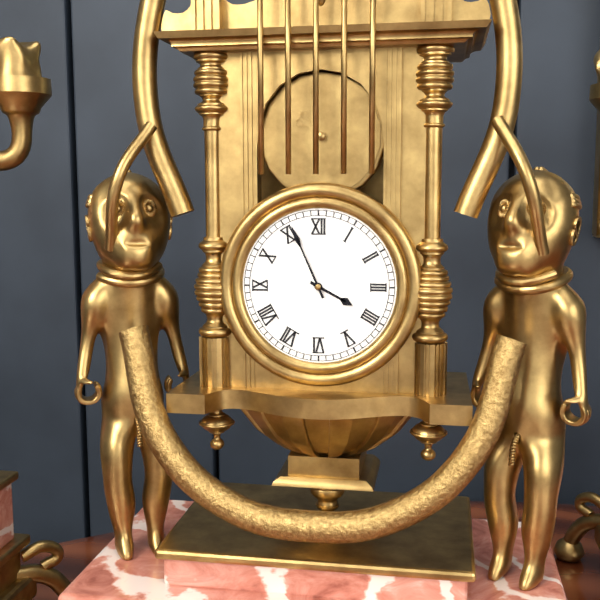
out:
3 h 56 min
